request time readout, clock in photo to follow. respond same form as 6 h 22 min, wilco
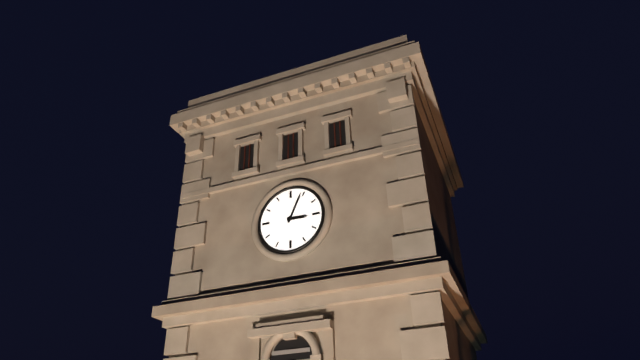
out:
3 h 04 min
